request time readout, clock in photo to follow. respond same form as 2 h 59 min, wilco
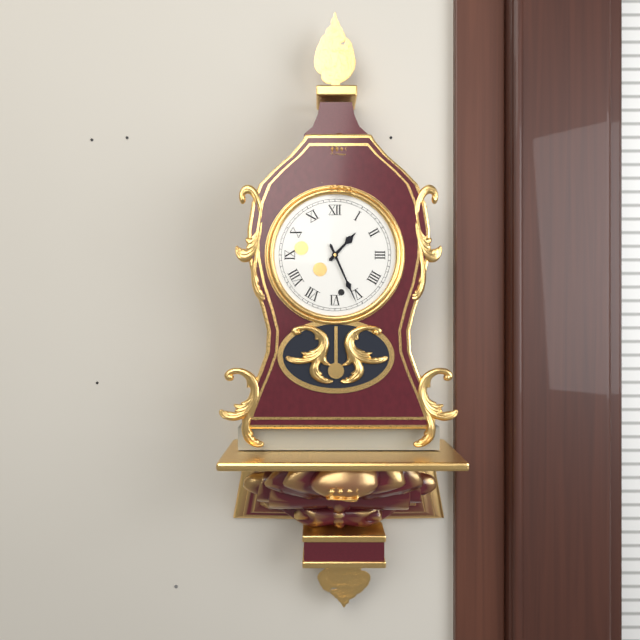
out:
1 h 26 min
